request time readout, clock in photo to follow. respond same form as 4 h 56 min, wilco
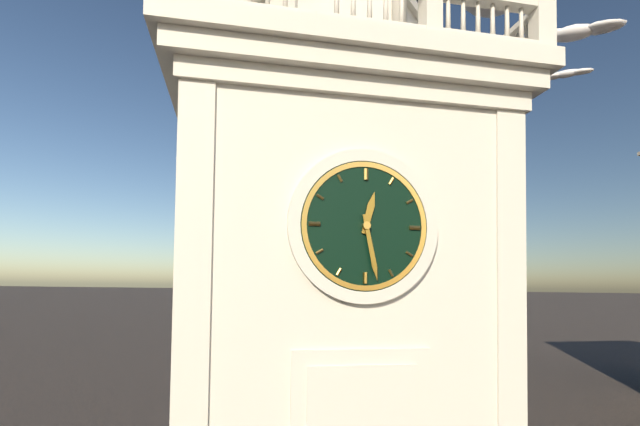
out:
12 h 28 min
